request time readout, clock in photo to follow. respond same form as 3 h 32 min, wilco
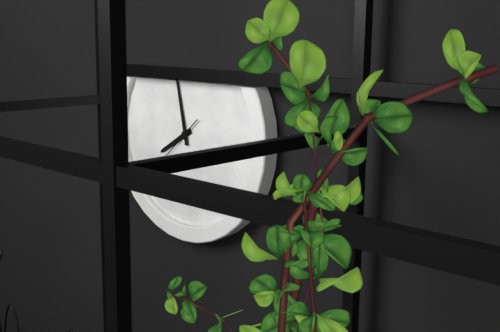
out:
7 h 58 min
